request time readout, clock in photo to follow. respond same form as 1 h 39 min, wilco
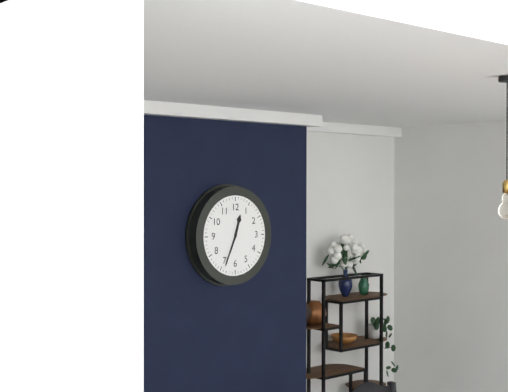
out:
12 h 34 min
